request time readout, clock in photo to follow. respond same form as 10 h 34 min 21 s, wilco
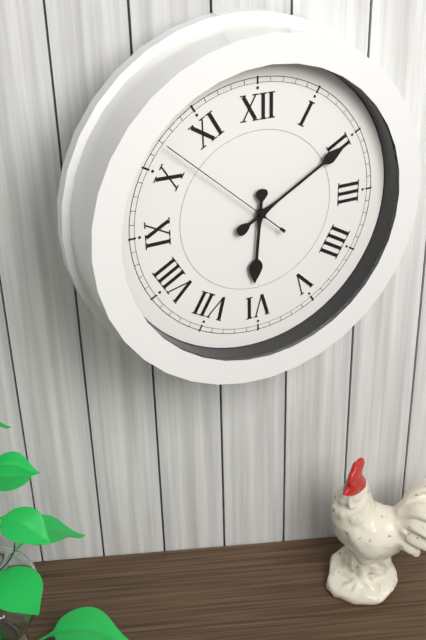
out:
6 h 10 min 52 s
